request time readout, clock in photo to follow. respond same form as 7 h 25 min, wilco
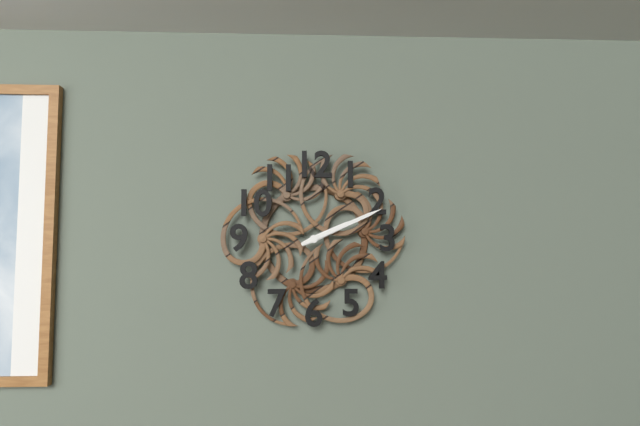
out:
2 h 11 min
